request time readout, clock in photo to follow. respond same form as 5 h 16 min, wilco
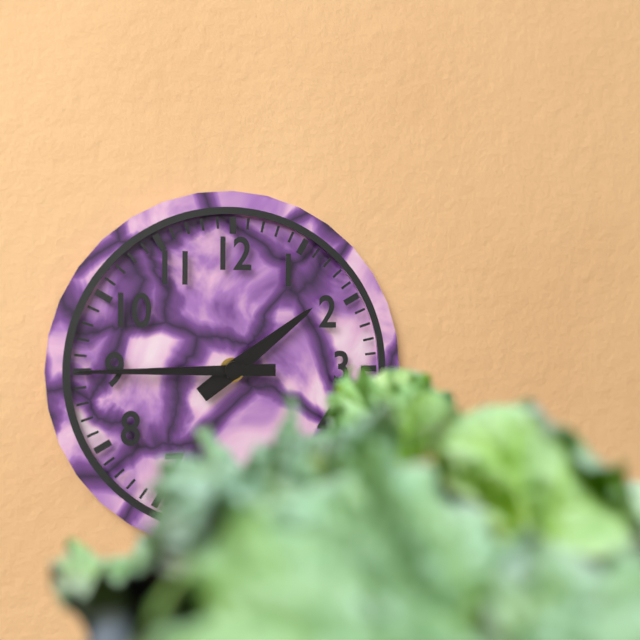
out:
1 h 45 min
